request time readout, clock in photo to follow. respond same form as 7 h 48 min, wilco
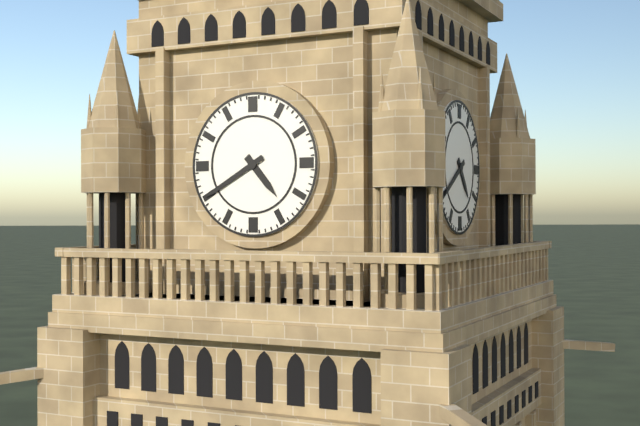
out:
4 h 40 min
